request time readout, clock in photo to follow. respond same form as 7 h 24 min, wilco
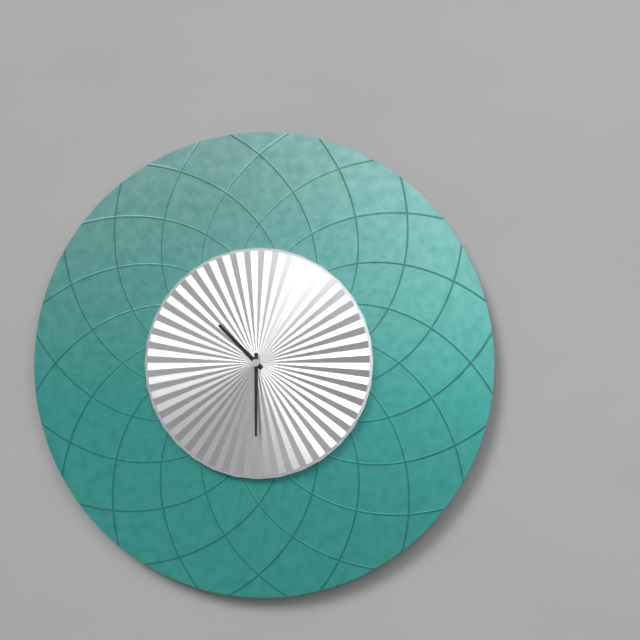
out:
10 h 30 min
